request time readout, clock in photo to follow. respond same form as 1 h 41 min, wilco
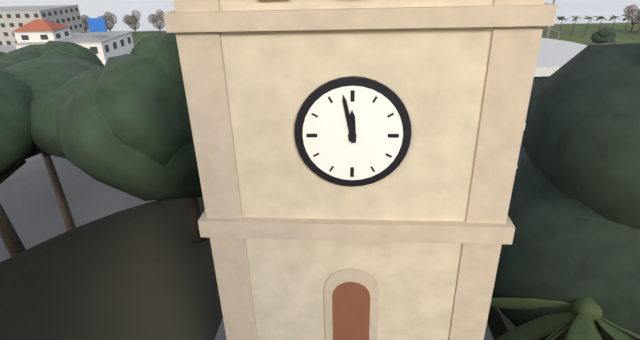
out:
11 h 58 min
